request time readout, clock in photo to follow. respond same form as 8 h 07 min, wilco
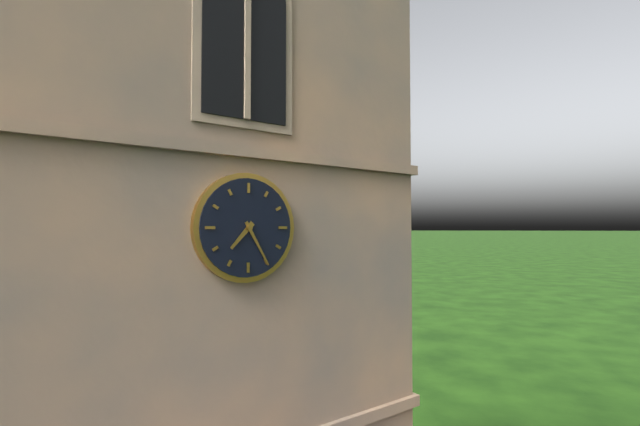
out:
7 h 25 min
